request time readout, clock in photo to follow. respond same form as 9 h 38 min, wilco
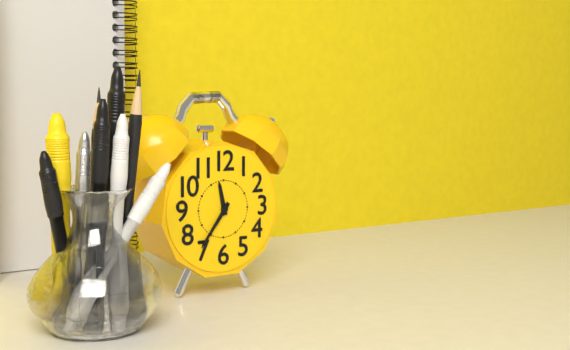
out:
11 h 36 min
